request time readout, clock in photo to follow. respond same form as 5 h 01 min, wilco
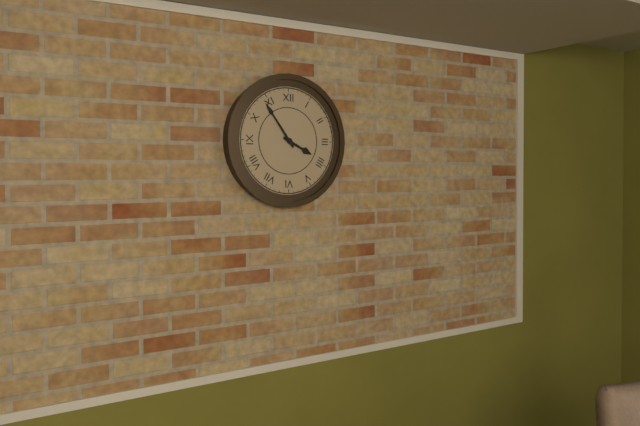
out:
3 h 54 min
